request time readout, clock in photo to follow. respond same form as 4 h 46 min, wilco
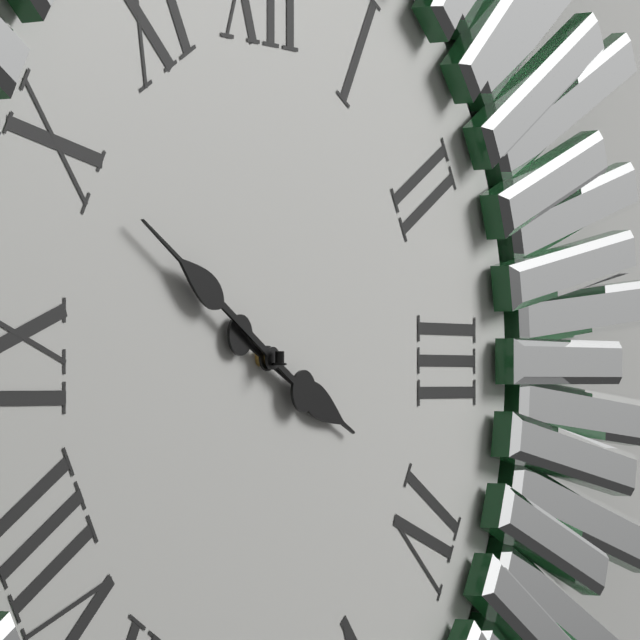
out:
3 h 50 min
